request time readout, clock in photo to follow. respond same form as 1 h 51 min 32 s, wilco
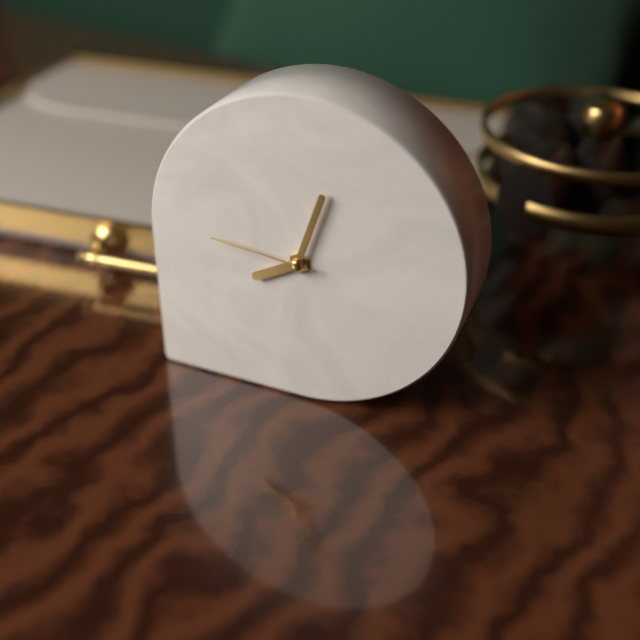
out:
8 h 03 min 46 s
